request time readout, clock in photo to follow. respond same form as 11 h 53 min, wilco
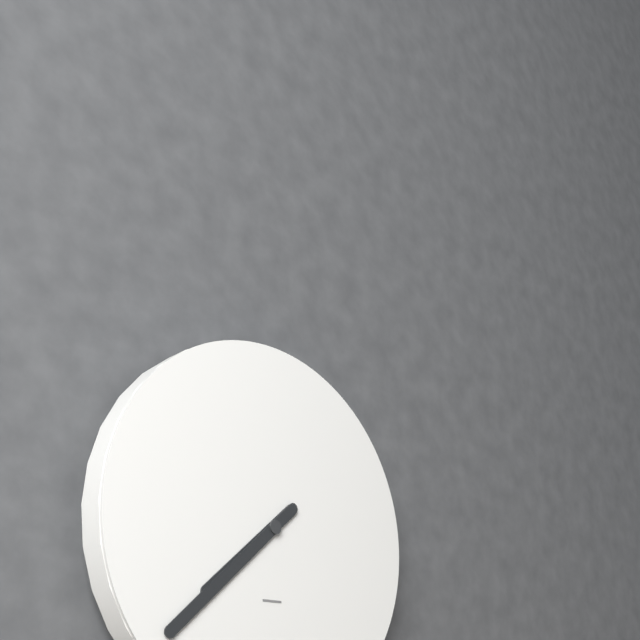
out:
7 h 38 min
